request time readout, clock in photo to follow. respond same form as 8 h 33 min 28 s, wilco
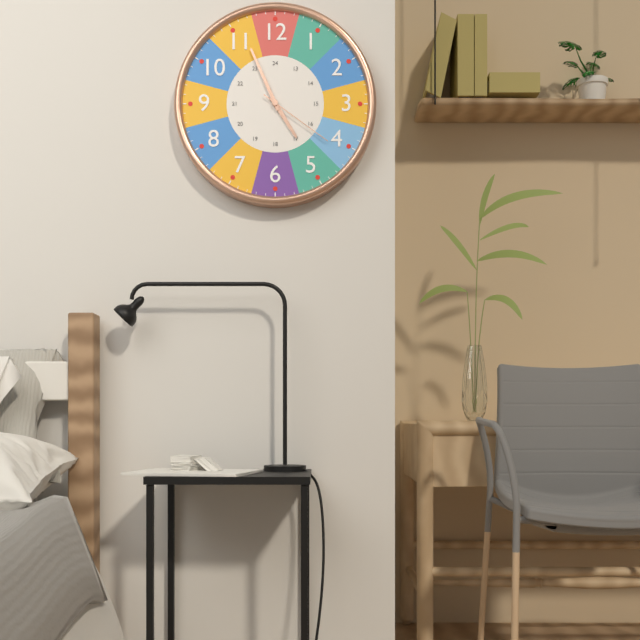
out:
4 h 56 min 21 s
